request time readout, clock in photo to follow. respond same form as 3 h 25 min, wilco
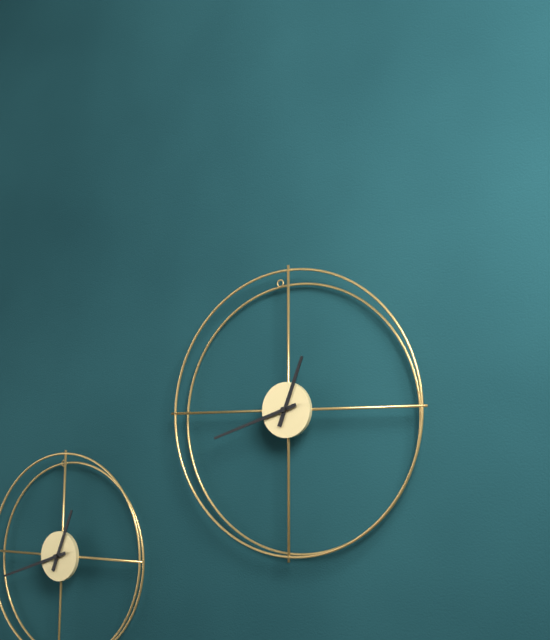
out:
12 h 42 min
